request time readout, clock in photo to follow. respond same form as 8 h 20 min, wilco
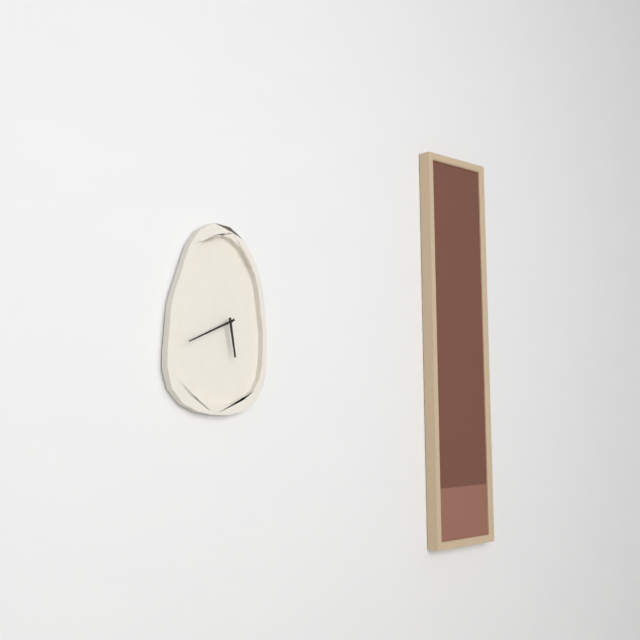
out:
5 h 41 min
